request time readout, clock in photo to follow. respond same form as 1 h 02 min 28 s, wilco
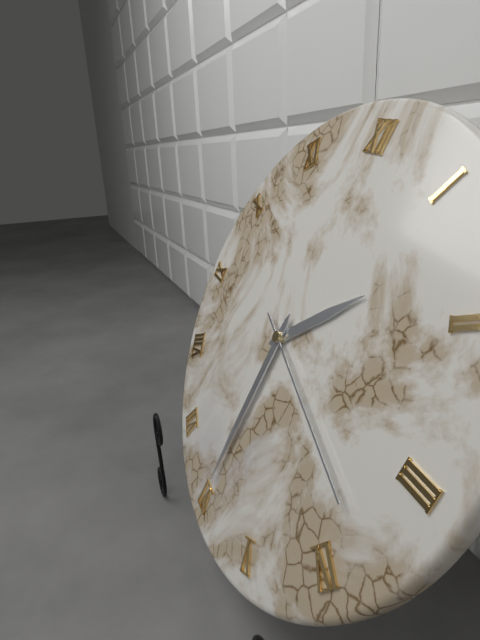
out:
1 h 30 min 18 s
